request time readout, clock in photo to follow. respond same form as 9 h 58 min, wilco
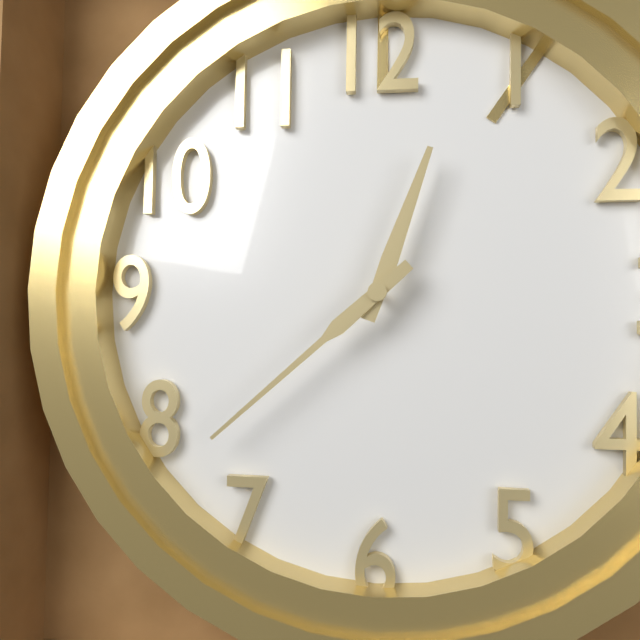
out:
12 h 38 min
